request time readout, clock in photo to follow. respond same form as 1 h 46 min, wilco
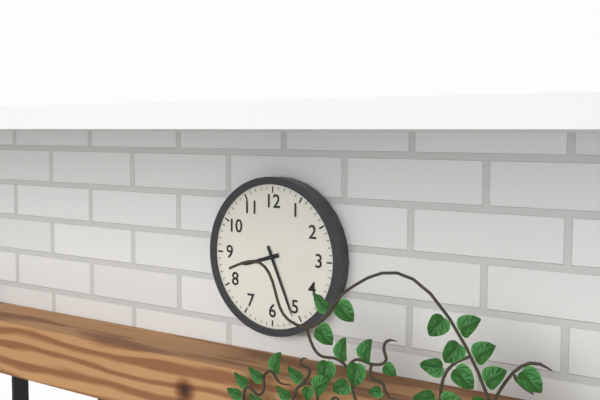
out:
8 h 26 min
